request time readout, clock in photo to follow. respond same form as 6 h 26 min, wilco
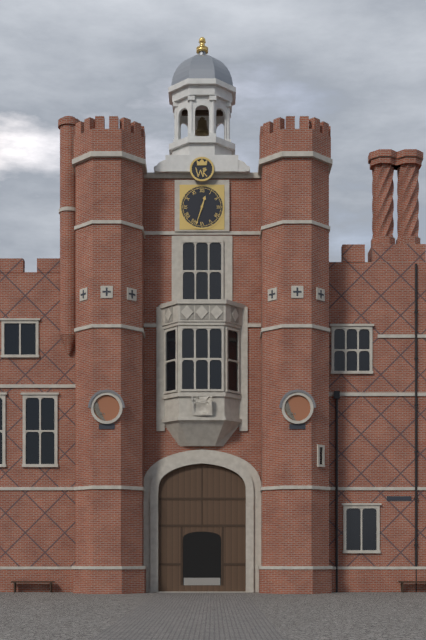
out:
12 h 33 min
